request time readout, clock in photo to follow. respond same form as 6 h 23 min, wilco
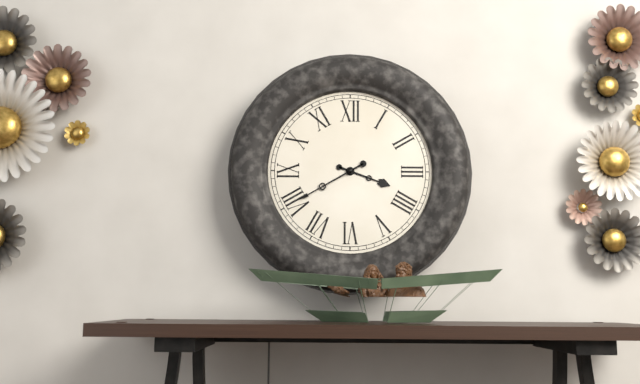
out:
3 h 40 min
